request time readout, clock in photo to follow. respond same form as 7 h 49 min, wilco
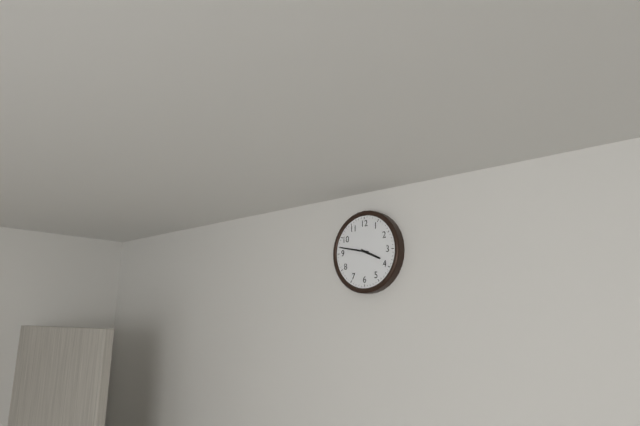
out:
3 h 47 min
